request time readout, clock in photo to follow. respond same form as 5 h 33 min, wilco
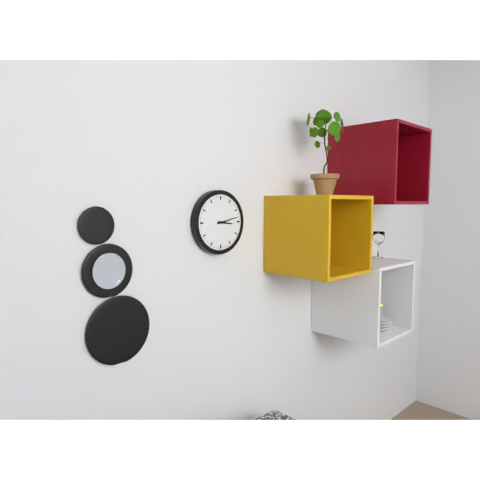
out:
3 h 13 min
